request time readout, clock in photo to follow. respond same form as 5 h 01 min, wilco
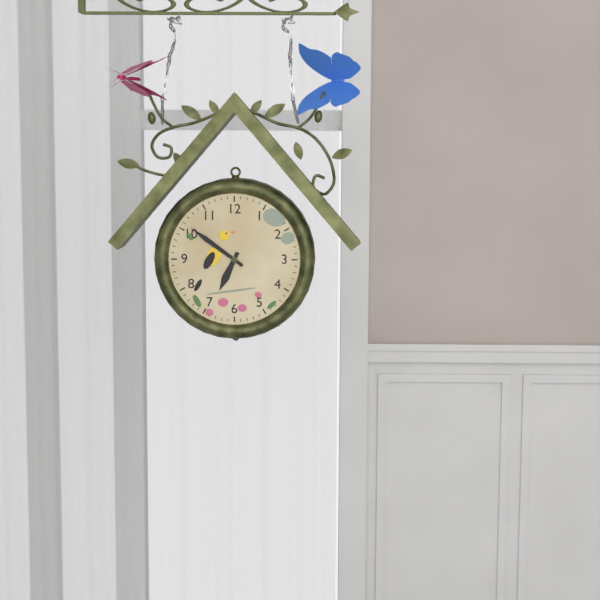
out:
6 h 51 min
